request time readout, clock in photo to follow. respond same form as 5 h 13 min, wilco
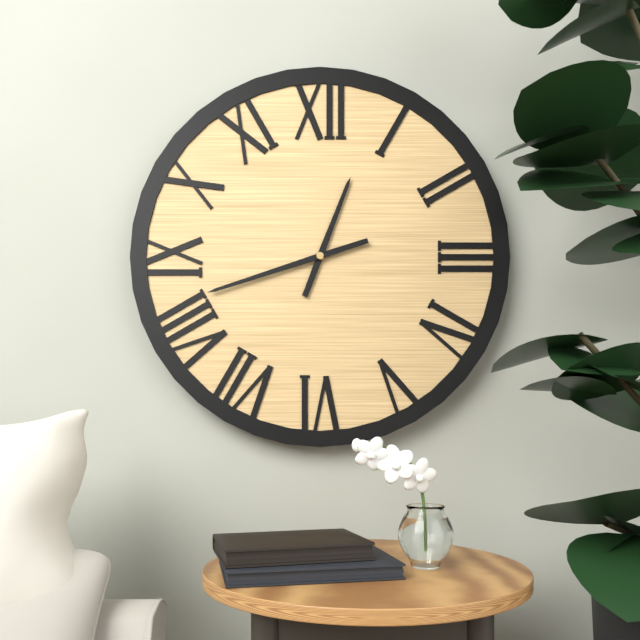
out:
12 h 42 min
